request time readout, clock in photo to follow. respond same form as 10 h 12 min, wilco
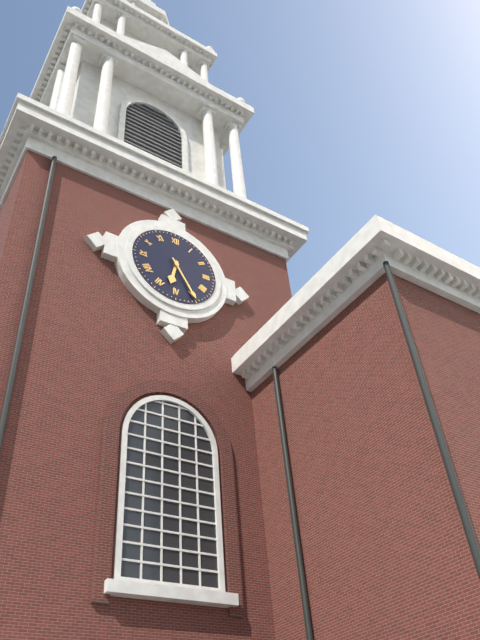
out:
6 h 25 min
